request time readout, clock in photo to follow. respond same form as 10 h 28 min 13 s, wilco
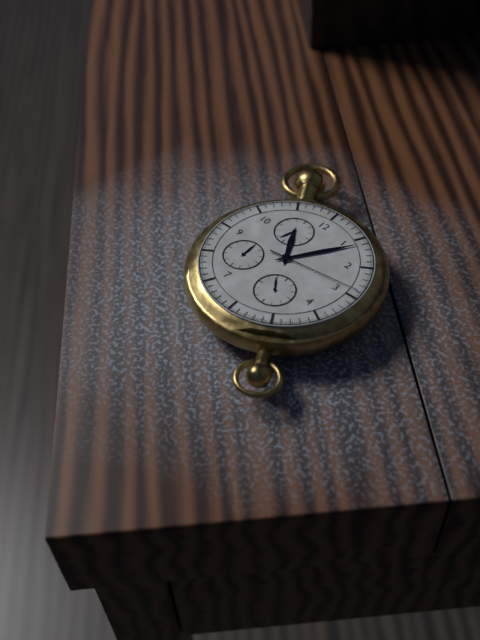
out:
11 h 06 min 14 s
